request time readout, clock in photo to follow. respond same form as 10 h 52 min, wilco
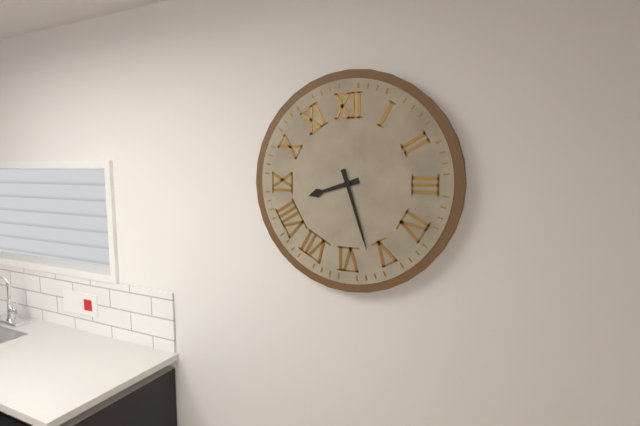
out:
8 h 27 min
